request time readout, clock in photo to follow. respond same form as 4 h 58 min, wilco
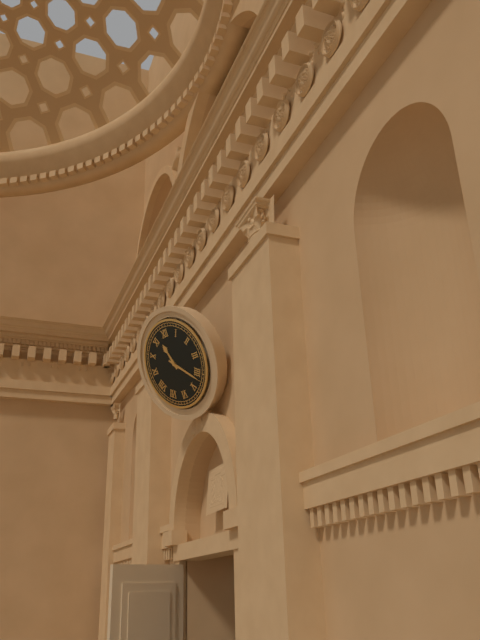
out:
11 h 22 min
